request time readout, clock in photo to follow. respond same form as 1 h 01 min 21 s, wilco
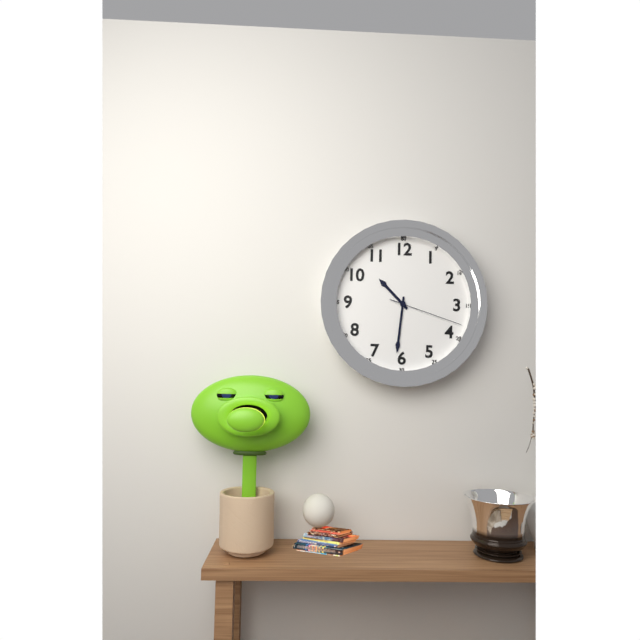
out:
10 h 31 min 18 s
